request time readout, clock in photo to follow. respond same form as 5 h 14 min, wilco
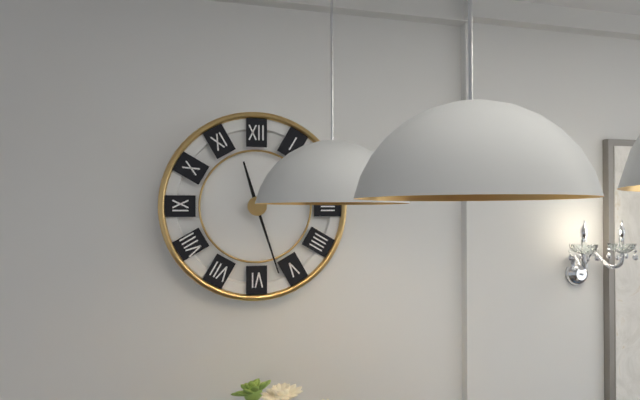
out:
11 h 27 min
